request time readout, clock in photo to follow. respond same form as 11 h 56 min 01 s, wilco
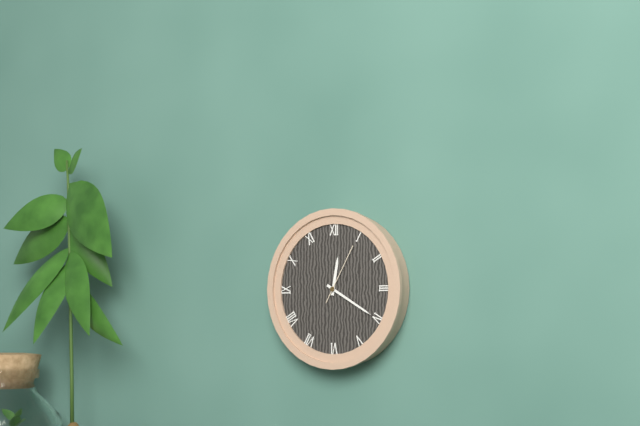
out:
12 h 20 min 05 s
